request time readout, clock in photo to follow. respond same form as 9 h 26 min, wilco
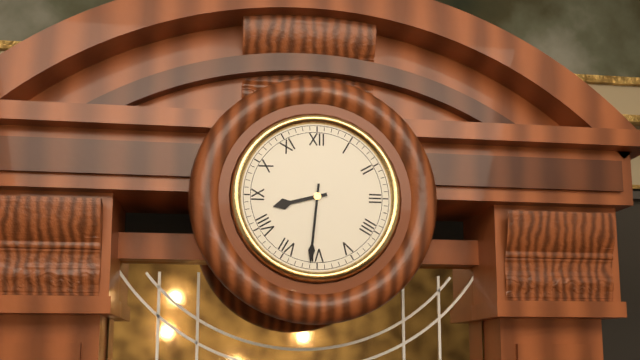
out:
8 h 31 min
